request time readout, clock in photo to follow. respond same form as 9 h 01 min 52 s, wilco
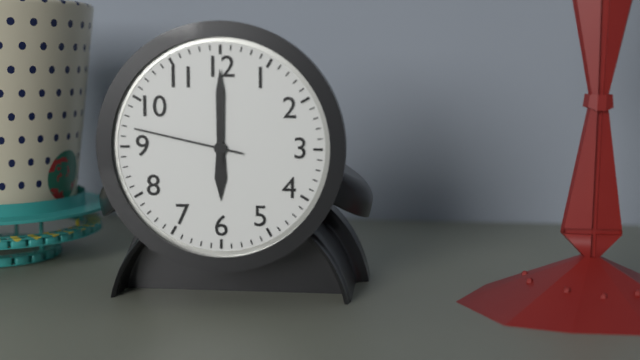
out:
6 h 00 min 47 s
